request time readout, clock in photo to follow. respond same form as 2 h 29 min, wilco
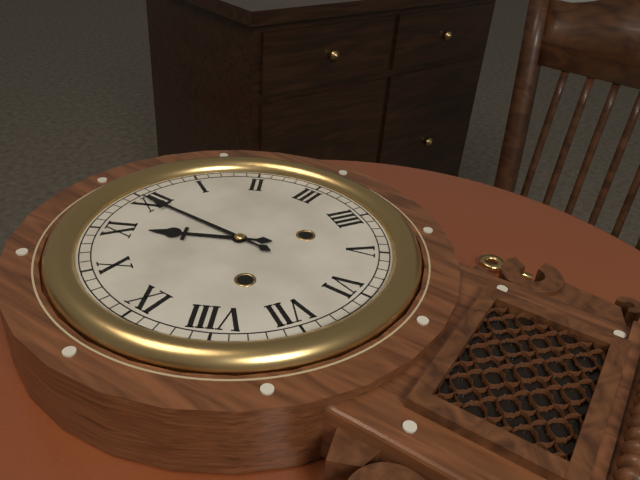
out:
11 h 00 min
